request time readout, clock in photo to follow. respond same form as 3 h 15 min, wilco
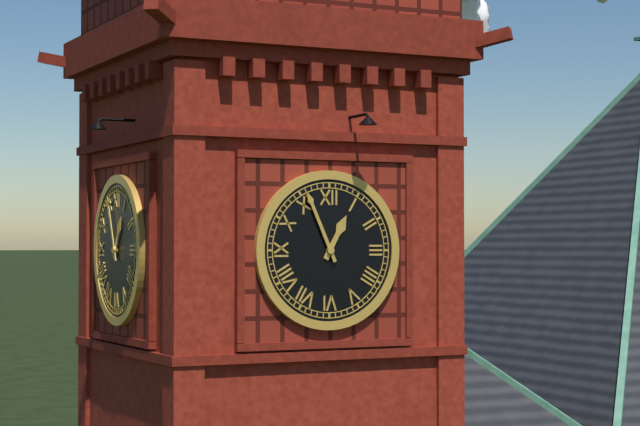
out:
12 h 56 min
